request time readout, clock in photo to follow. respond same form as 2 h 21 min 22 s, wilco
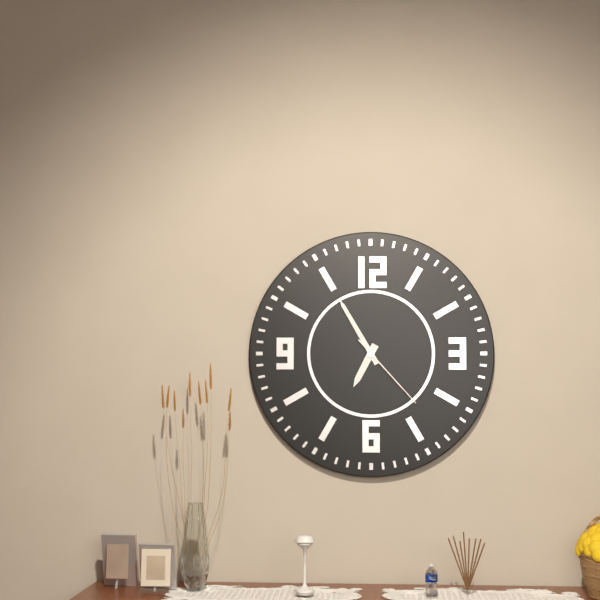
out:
6 h 55 min 23 s
